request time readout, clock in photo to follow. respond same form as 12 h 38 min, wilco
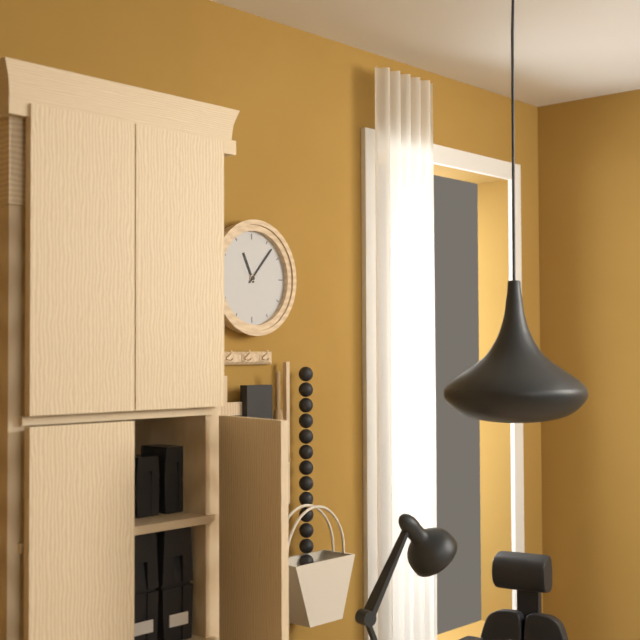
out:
11 h 07 min
